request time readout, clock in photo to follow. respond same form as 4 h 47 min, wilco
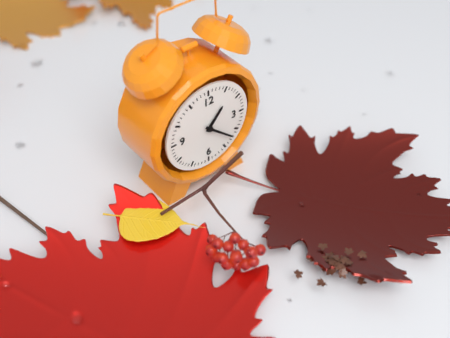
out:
1 h 22 min
